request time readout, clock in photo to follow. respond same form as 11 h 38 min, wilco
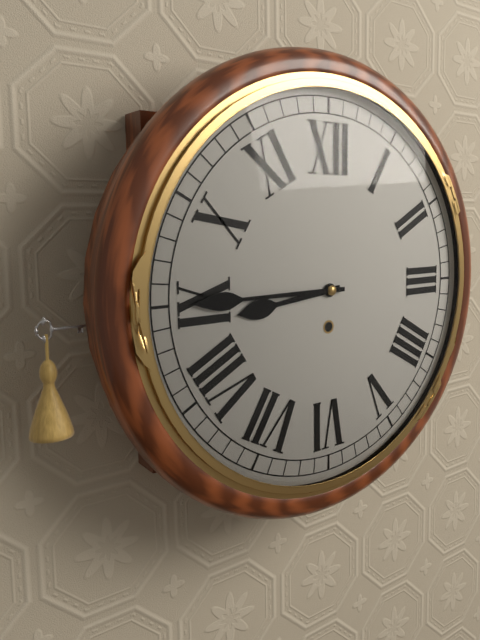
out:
8 h 45 min
